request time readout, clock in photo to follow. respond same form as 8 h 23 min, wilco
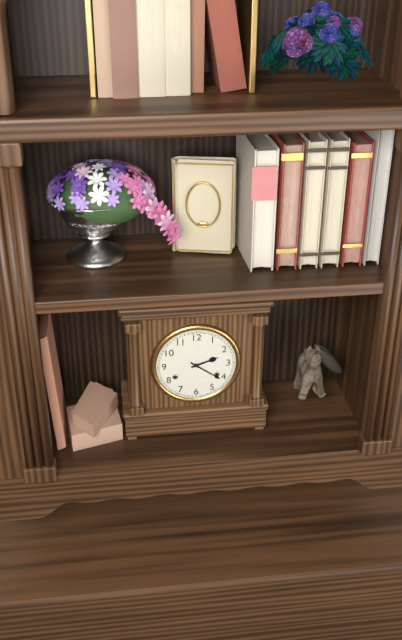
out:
2 h 21 min
